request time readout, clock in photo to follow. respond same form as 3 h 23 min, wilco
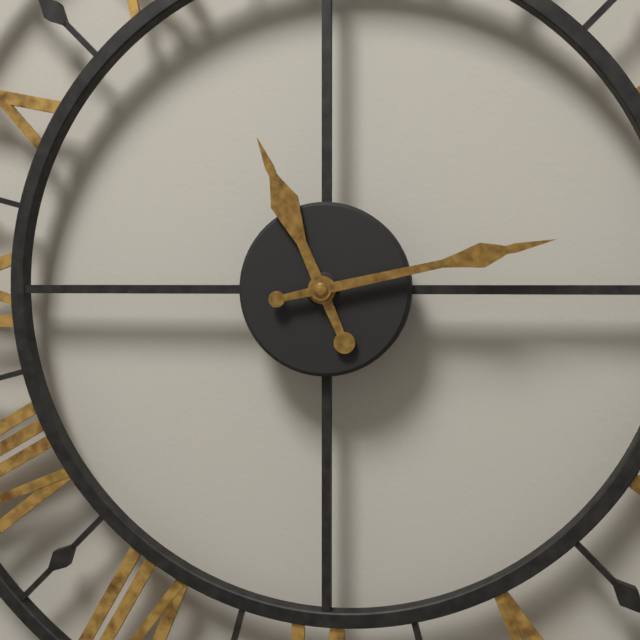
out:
11 h 13 min
